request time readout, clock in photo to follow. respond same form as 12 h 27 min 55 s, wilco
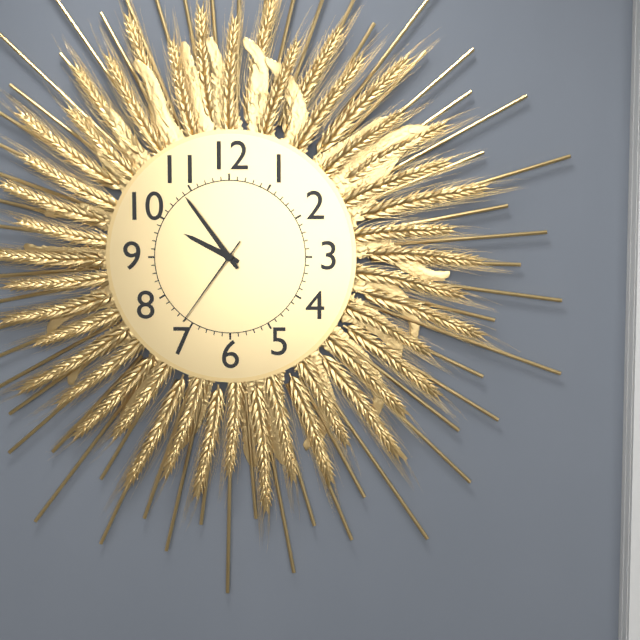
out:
9 h 54 min 36 s
